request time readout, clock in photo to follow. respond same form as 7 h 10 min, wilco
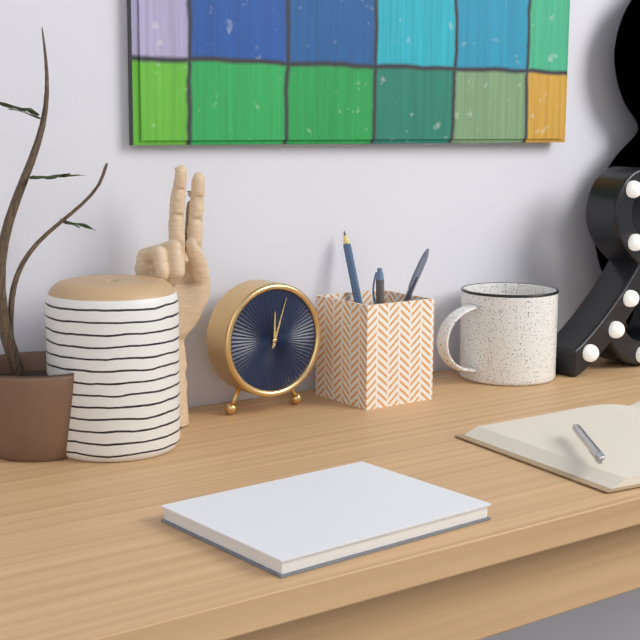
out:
12 h 03 min
